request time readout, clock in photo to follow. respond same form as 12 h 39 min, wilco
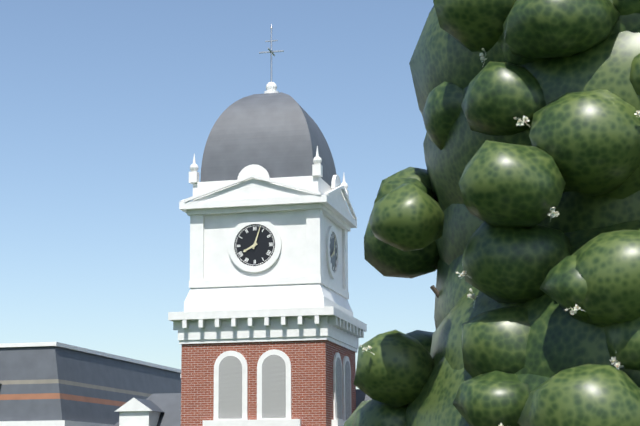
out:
8 h 03 min
